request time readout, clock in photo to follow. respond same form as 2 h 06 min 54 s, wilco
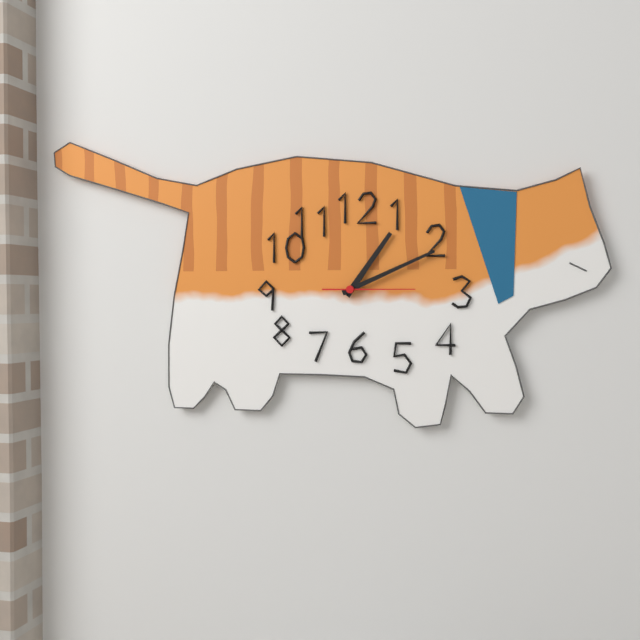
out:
1 h 11 min 15 s
